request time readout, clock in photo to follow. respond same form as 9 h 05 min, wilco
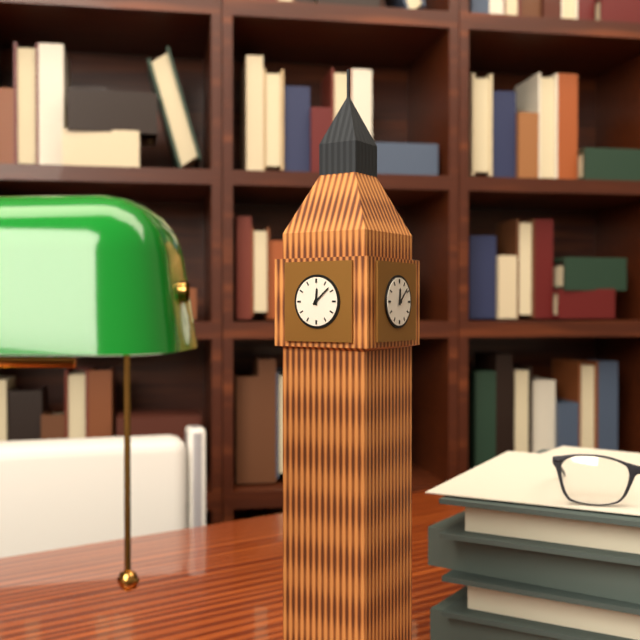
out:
12 h 08 min
